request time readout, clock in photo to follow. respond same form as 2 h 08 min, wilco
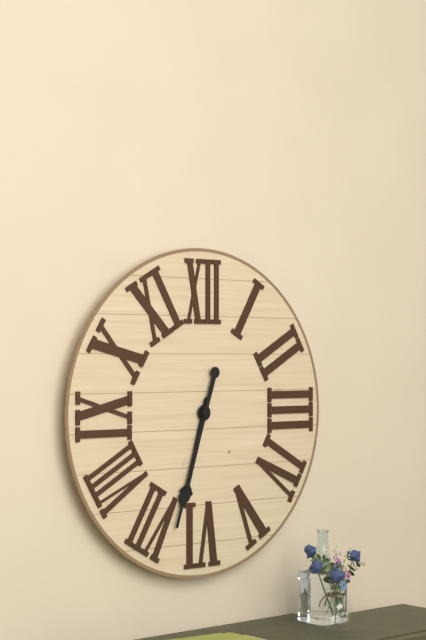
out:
6 h 33 min
